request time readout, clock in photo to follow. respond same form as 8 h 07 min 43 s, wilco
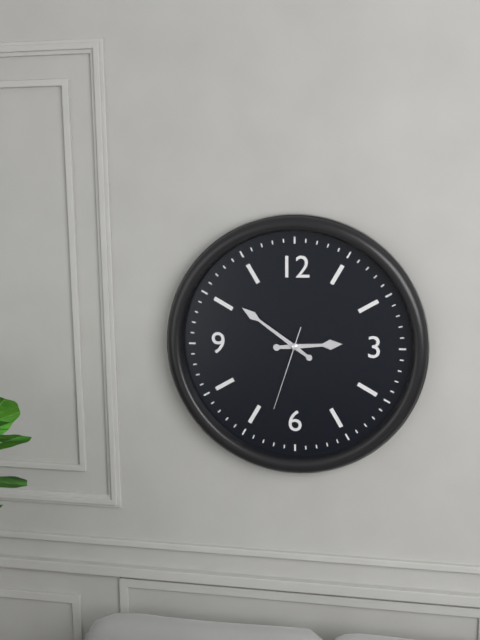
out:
2 h 51 min 33 s
